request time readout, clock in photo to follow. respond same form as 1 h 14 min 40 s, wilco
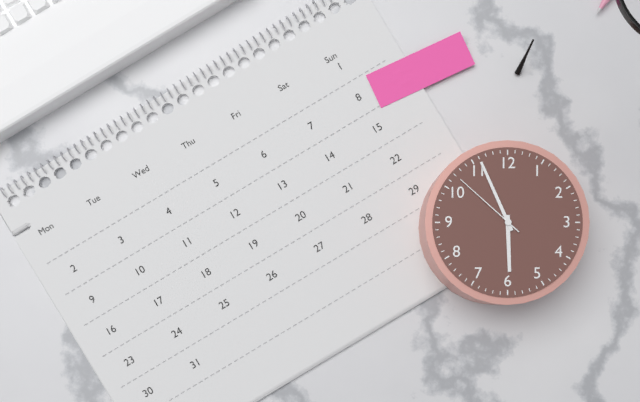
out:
5 h 56 min 52 s
